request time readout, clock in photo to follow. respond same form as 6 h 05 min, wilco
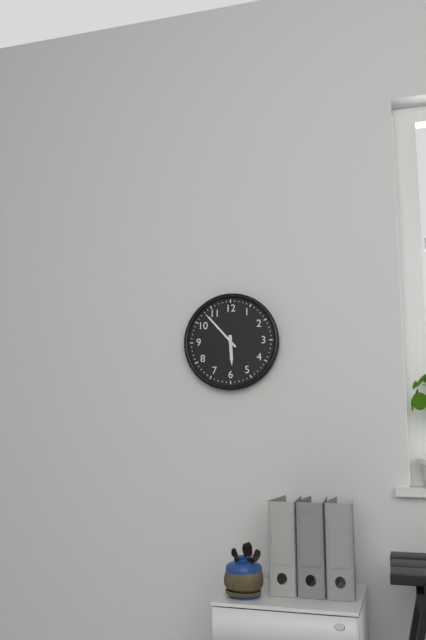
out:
5 h 53 min
